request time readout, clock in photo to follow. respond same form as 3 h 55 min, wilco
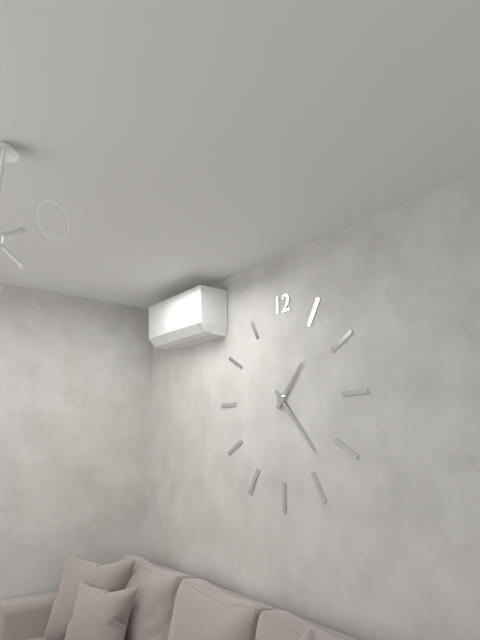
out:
1 h 23 min
